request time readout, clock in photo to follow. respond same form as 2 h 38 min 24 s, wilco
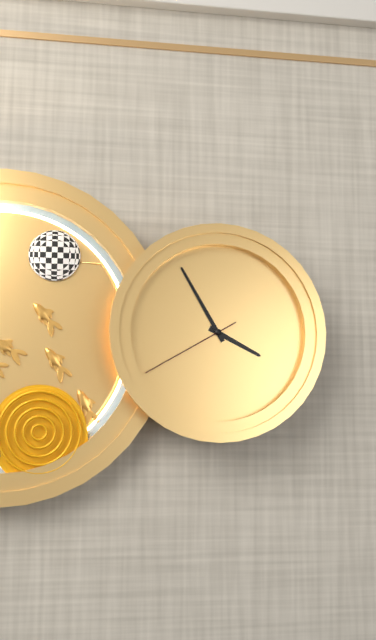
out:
3 h 55 min 40 s
